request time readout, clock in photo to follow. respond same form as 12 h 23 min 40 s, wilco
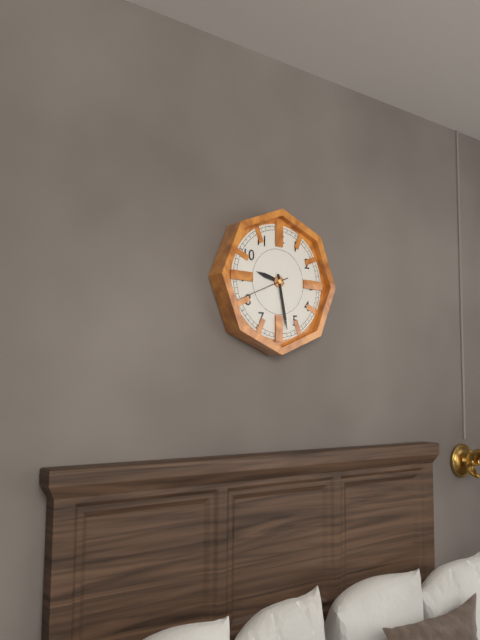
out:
9 h 28 min 41 s
